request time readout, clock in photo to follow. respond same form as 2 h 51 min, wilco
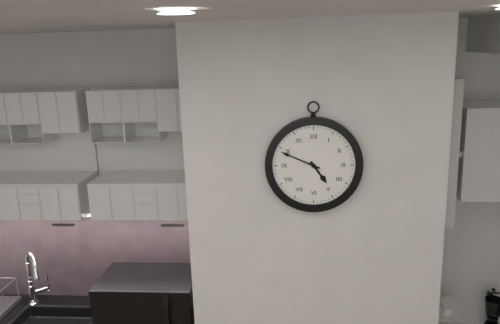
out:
4 h 49 min
